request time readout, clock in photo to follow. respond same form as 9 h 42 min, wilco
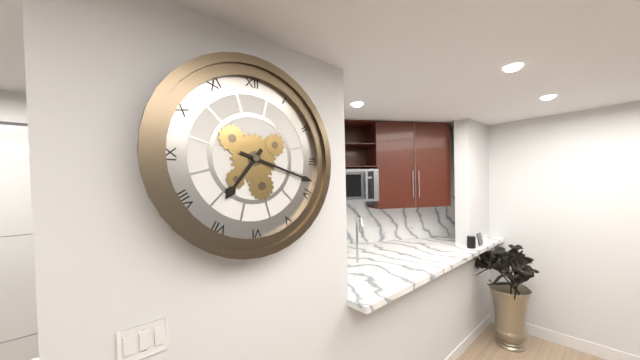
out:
7 h 18 min
